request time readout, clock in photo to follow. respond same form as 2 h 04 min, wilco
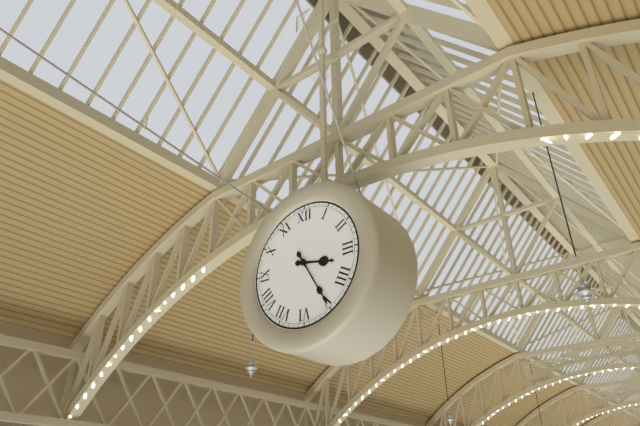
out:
3 h 25 min
